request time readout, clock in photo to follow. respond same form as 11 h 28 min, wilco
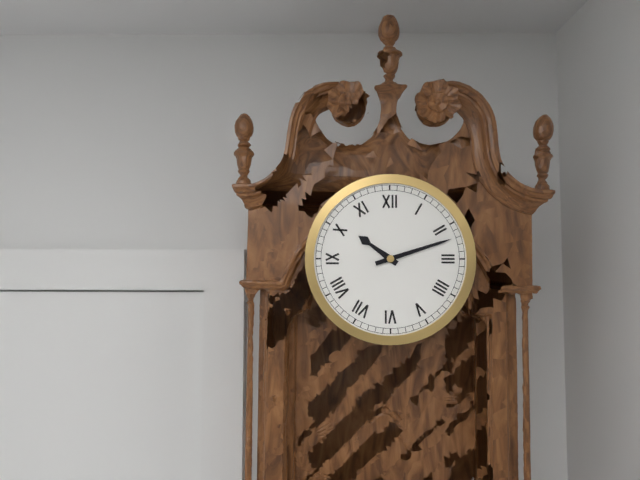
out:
10 h 12 min
